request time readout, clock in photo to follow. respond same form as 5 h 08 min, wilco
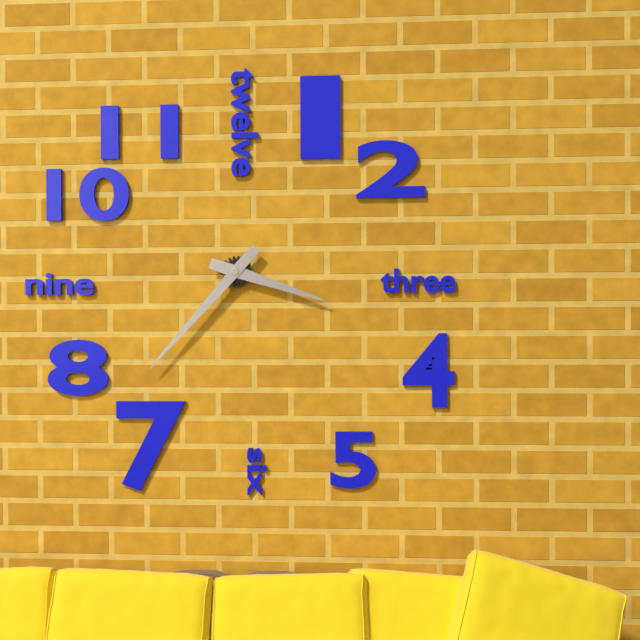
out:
3 h 37 min
